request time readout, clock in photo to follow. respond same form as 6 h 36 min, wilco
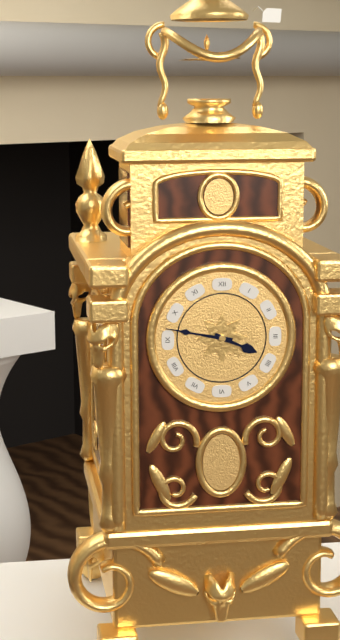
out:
3 h 47 min
